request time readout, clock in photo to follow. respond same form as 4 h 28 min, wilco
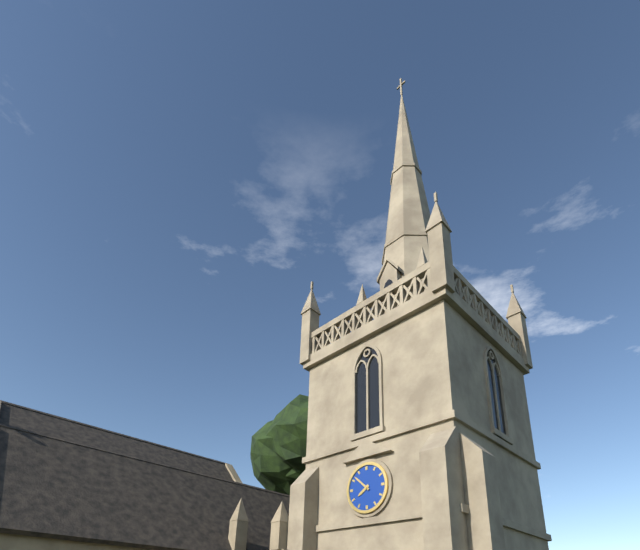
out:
7 h 52 min
